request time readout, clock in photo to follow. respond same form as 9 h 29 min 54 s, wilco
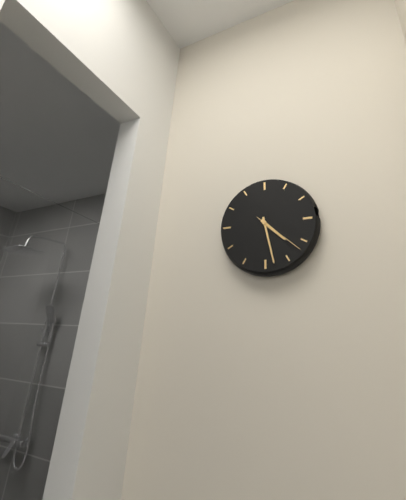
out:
4 h 28 min 22 s
